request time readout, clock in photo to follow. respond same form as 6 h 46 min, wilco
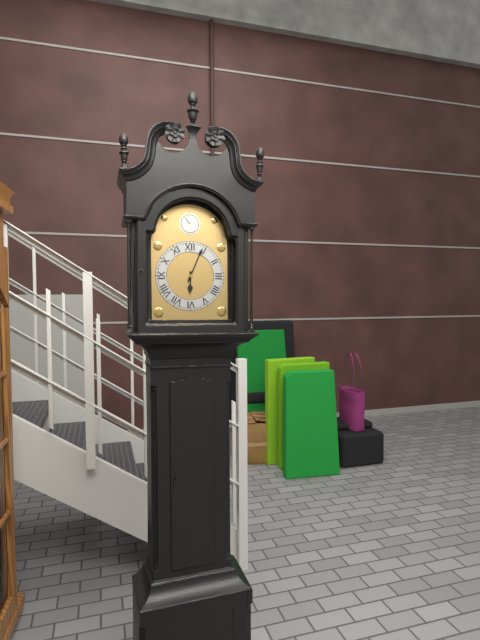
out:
6 h 04 min
